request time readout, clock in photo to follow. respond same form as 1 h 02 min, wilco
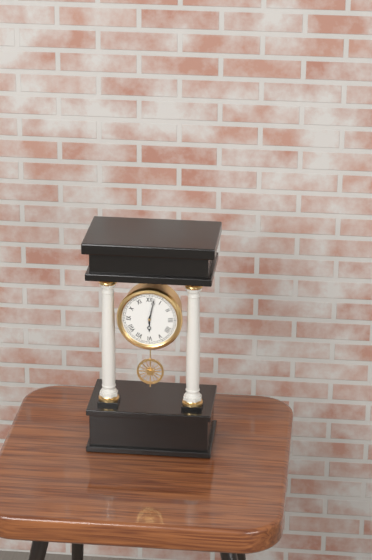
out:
6 h 02 min
